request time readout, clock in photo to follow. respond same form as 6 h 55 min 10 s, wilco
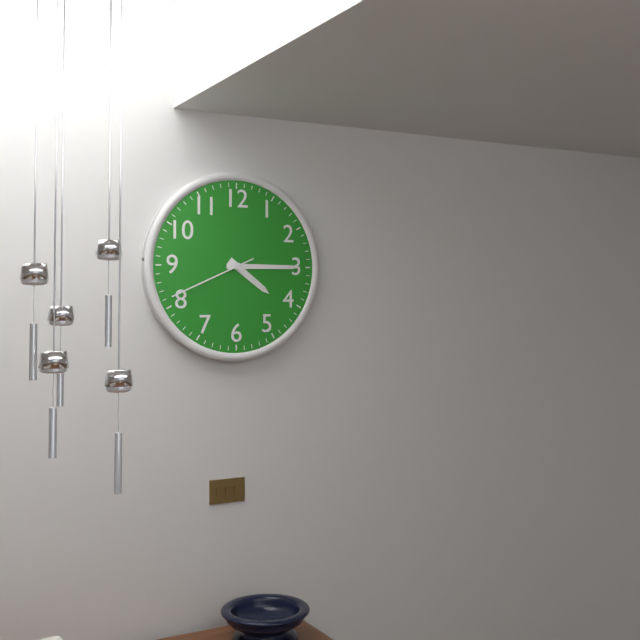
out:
4 h 15 min 41 s
